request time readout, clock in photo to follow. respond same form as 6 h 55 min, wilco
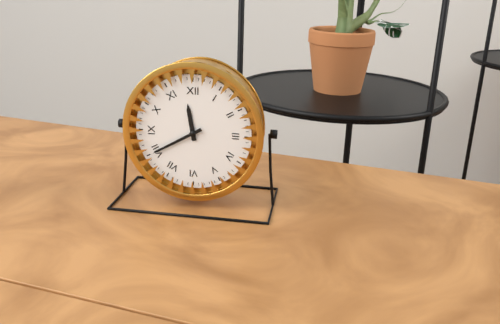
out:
11 h 40 min
